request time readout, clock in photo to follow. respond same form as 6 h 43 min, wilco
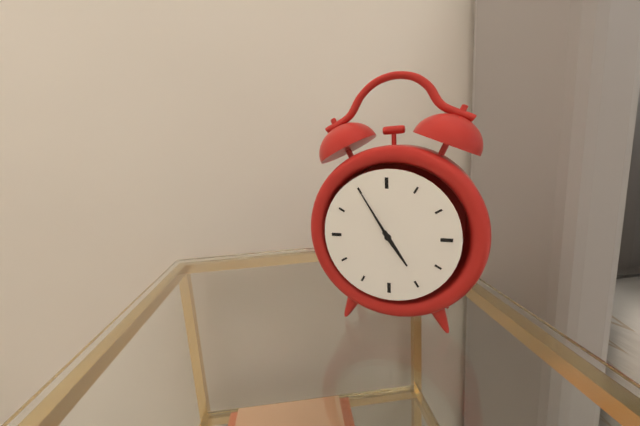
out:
4 h 55 min
